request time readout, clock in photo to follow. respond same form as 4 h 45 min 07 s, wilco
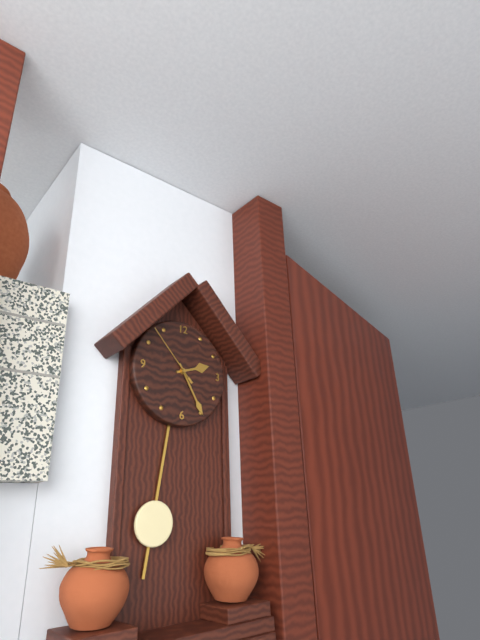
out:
2 h 25 min 53 s
